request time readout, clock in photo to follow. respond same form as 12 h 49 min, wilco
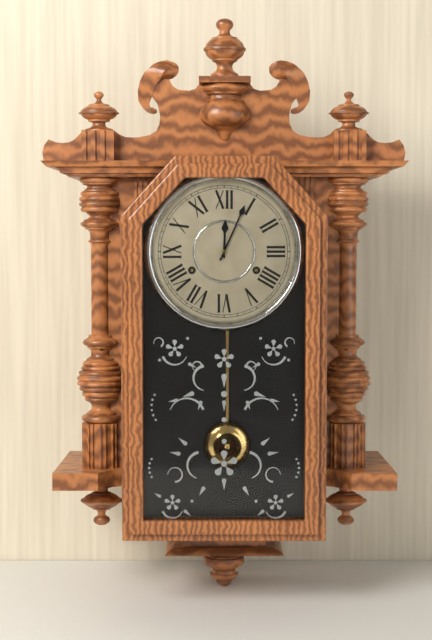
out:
12 h 04 min
